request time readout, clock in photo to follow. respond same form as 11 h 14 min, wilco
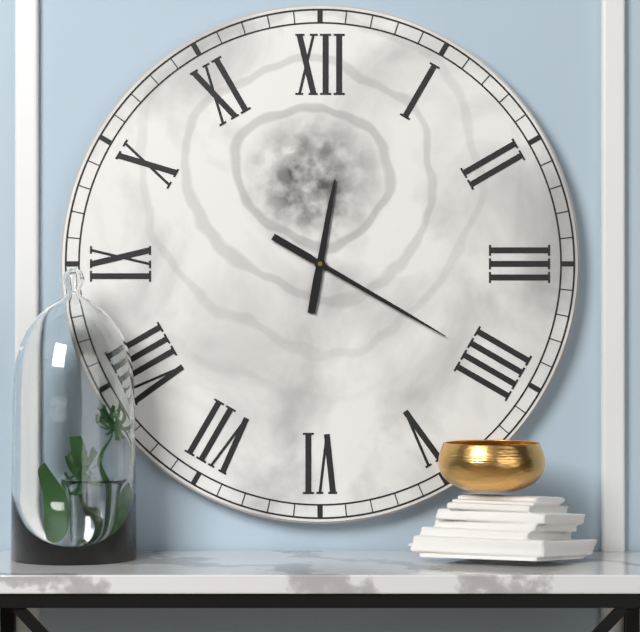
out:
12 h 20 min
